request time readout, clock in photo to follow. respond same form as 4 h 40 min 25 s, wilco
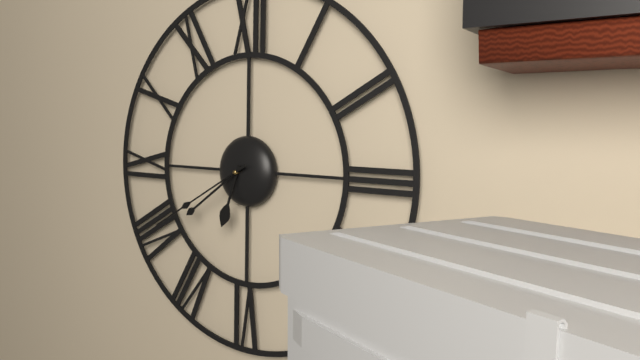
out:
6 h 39 min 40 s
